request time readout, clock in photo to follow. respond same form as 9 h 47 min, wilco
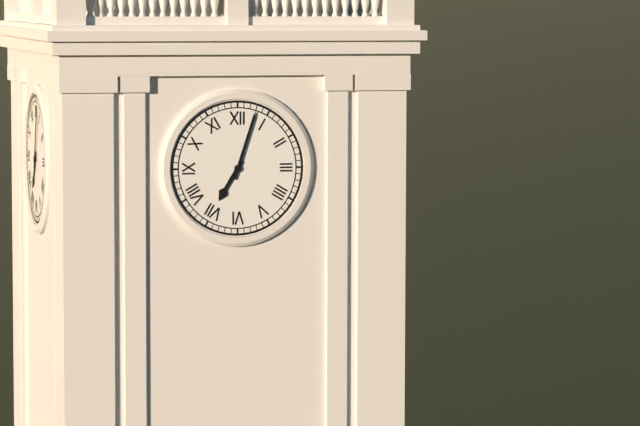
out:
7 h 03 min
